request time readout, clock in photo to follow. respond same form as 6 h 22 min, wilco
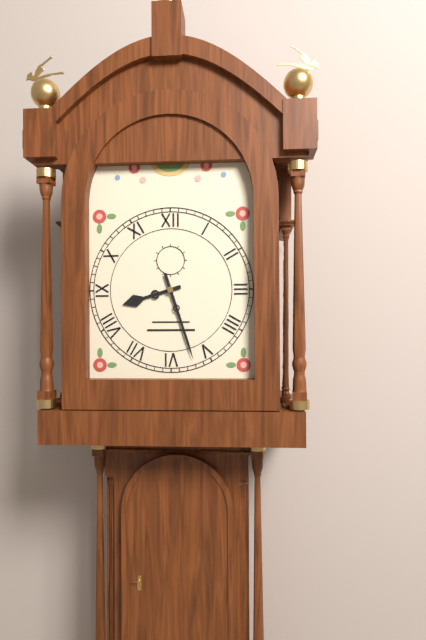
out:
8 h 27 min
